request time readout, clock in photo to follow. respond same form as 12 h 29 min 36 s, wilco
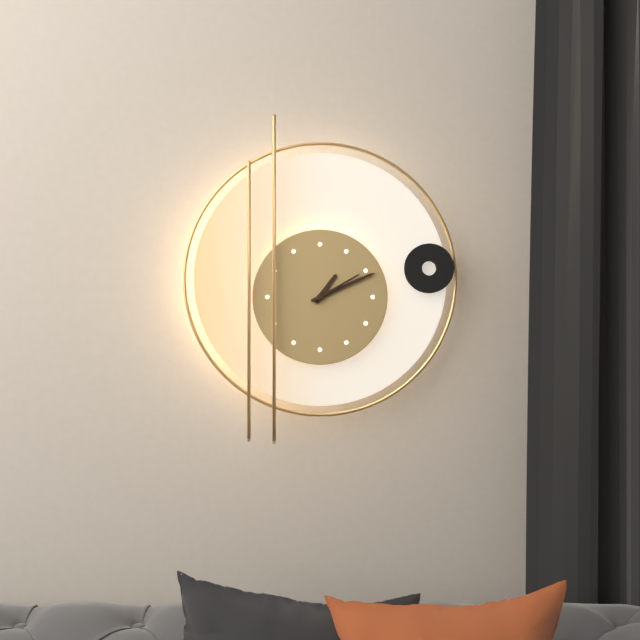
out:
1 h 11 min 10 s
